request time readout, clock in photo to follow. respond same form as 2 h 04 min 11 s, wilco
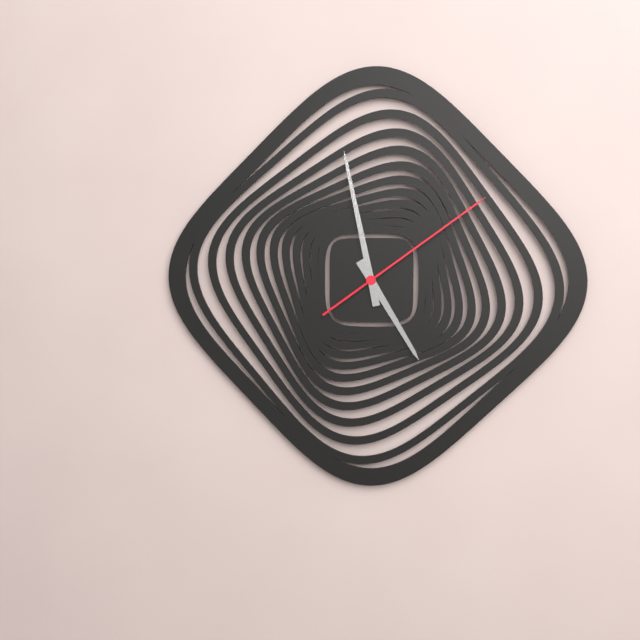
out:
4 h 58 min 09 s
